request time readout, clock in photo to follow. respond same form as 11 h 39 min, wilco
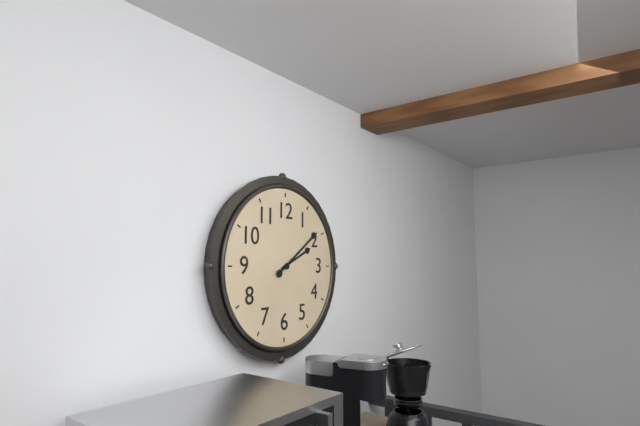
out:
2 h 09 min
